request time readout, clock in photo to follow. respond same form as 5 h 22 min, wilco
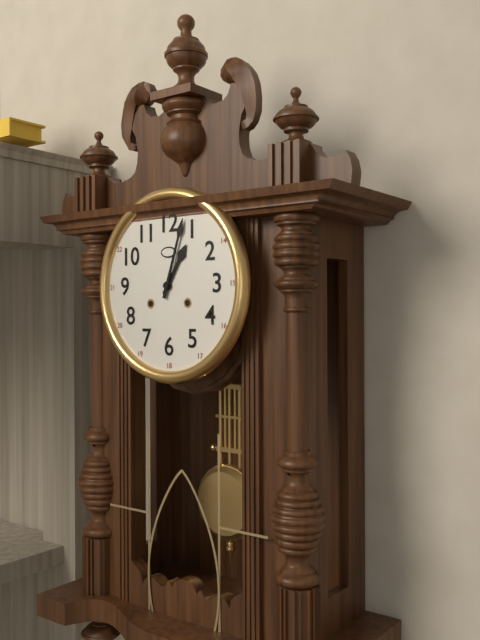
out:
1 h 03 min
